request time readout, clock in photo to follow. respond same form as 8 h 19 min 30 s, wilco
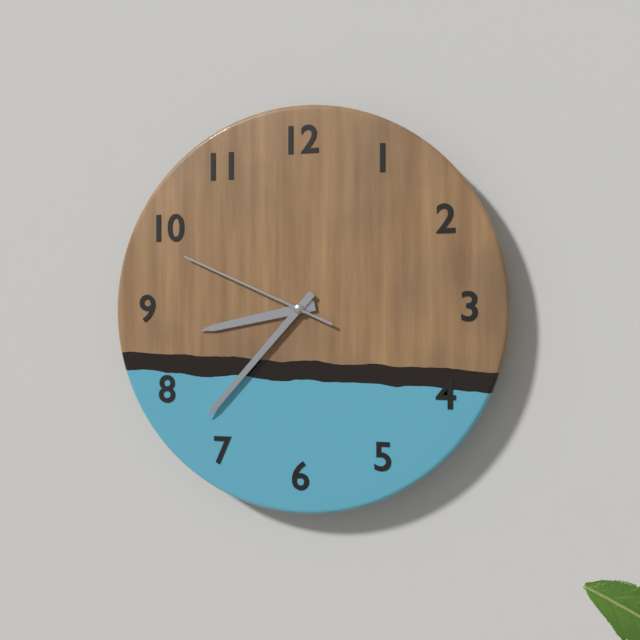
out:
8 h 37 min 49 s
